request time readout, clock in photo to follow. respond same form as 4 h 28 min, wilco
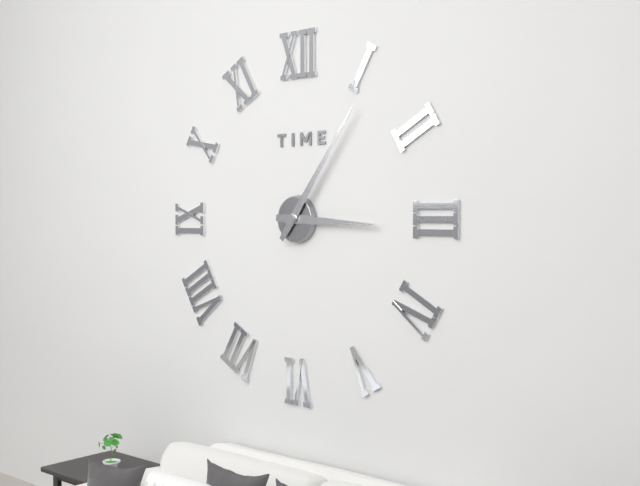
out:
3 h 06 min
